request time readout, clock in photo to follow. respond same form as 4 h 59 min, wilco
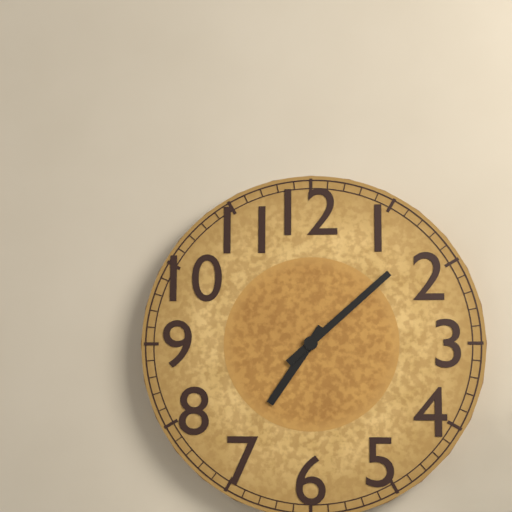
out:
7 h 08 min
